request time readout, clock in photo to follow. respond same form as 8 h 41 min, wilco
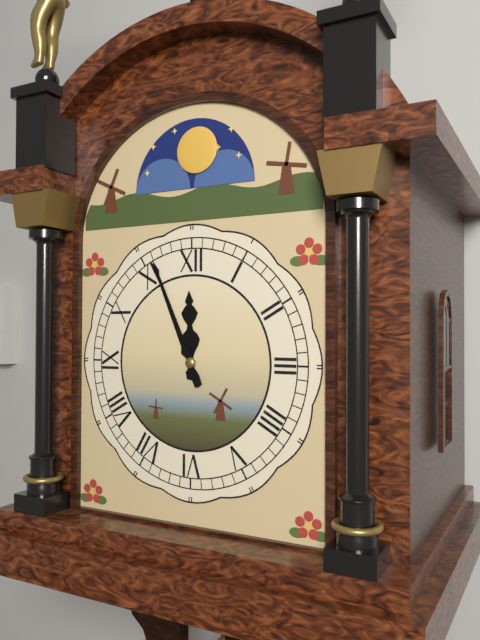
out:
11 h 56 min
